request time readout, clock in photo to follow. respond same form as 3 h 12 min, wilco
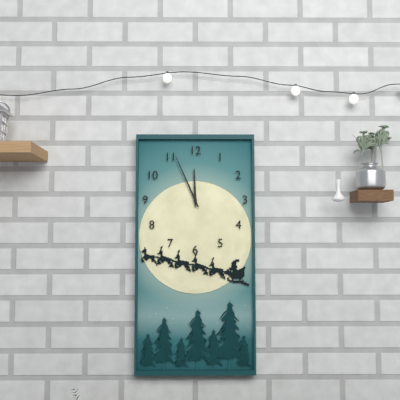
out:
11 h 56 min
